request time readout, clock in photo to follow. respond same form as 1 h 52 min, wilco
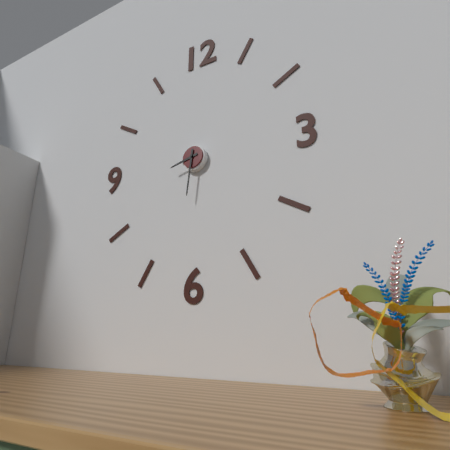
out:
8 h 31 min
